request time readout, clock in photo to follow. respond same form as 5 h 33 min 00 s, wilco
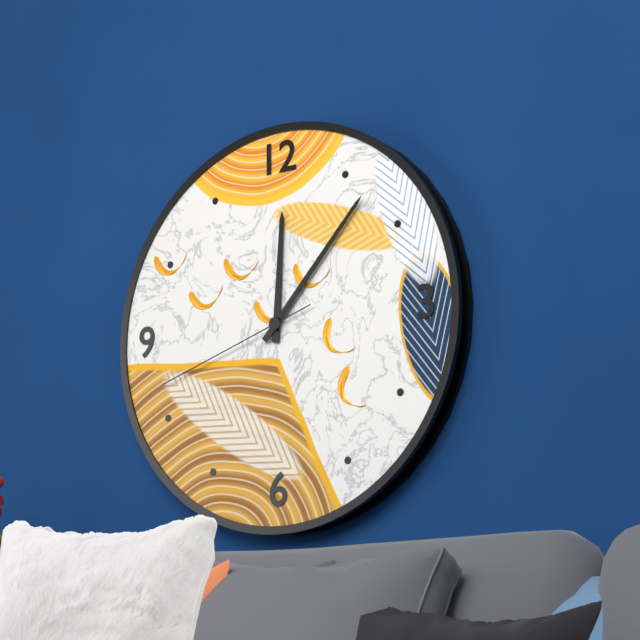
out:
12 h 07 min 42 s
